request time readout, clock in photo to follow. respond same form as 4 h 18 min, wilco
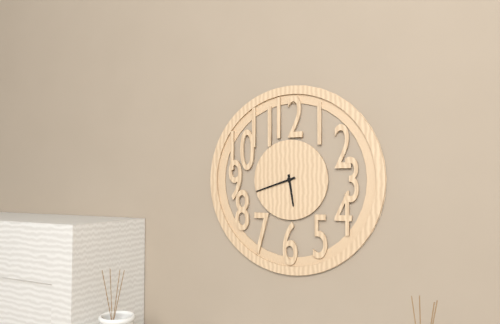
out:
5 h 42 min
